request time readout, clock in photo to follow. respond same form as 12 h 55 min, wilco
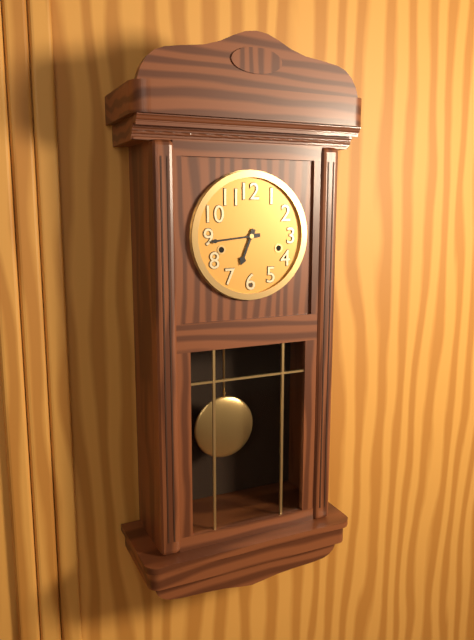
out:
6 h 44 min
